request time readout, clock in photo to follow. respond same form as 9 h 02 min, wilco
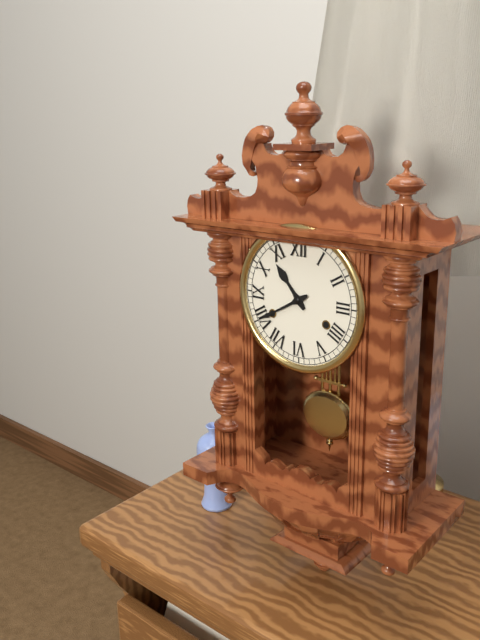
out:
10 h 40 min
